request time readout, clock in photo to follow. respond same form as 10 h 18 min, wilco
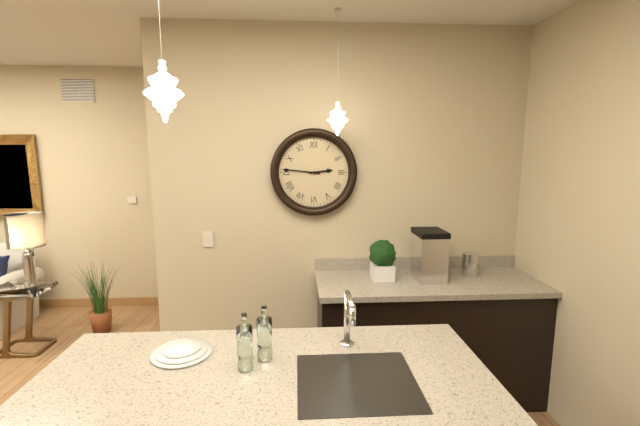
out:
2 h 46 min
